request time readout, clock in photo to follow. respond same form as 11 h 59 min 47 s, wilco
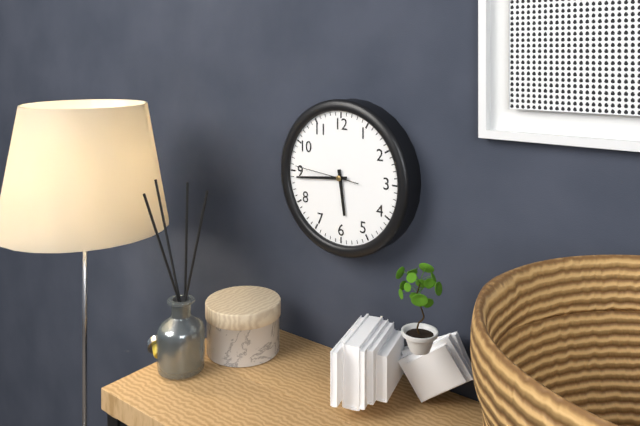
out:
5 h 44 min 46 s
